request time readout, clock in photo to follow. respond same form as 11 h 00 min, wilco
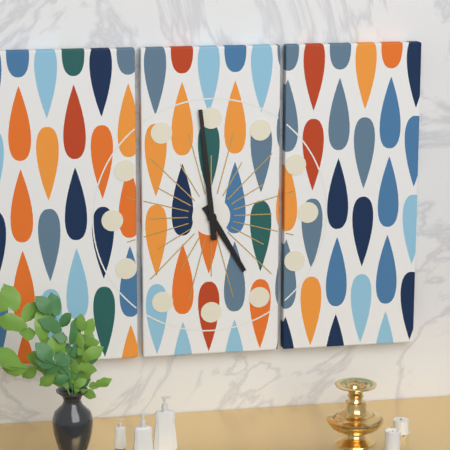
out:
4 h 59 min
